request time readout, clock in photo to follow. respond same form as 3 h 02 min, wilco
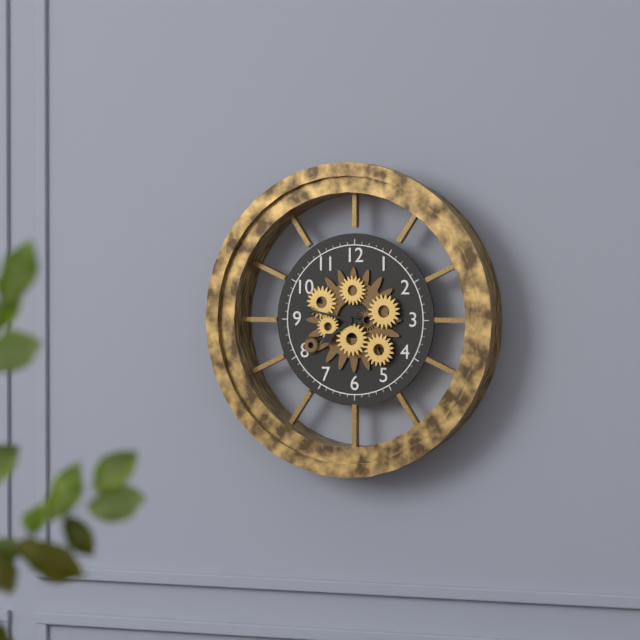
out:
7 h 47 min
